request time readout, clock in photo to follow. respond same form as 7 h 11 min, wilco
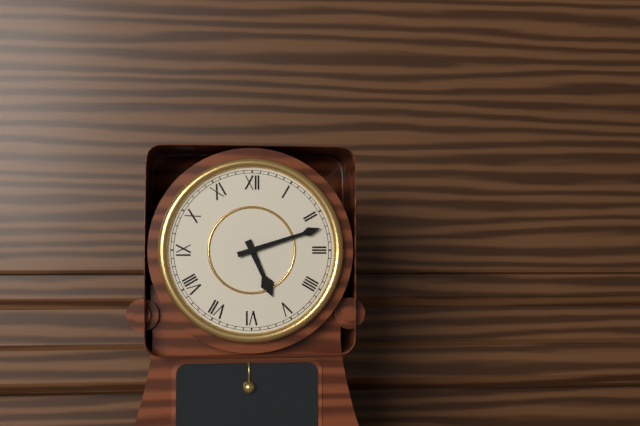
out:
5 h 12 min
